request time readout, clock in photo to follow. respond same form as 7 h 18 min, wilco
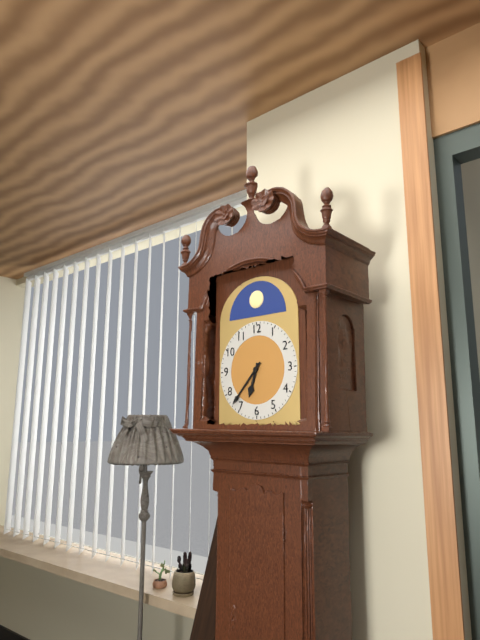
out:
6 h 37 min
